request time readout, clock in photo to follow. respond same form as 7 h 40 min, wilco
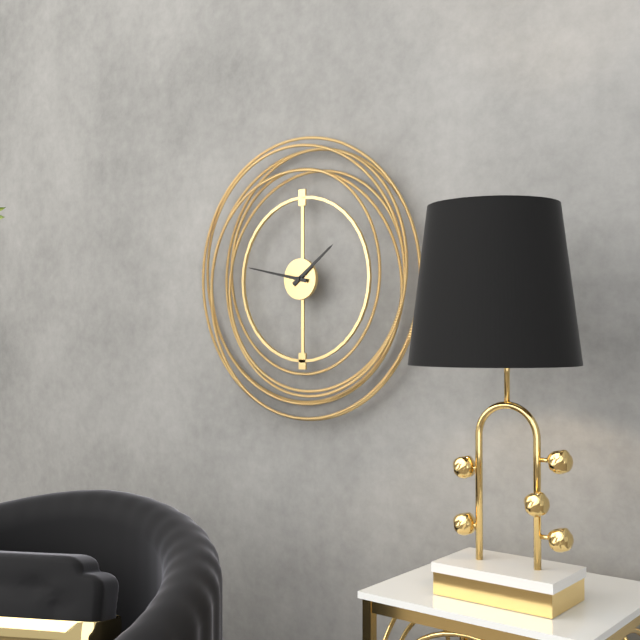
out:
1 h 47 min
